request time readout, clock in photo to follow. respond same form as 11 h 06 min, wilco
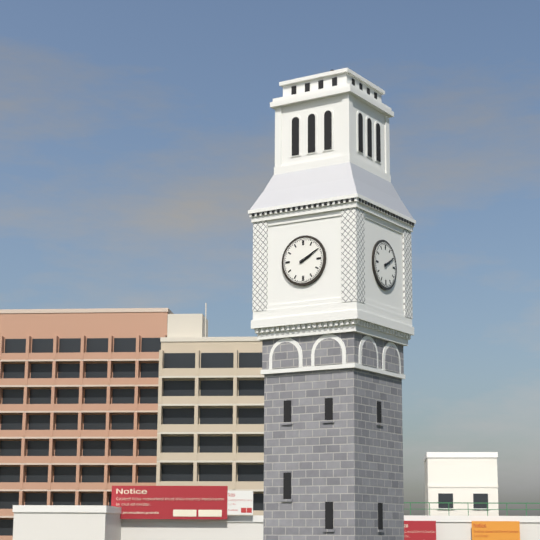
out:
2 h 10 min
